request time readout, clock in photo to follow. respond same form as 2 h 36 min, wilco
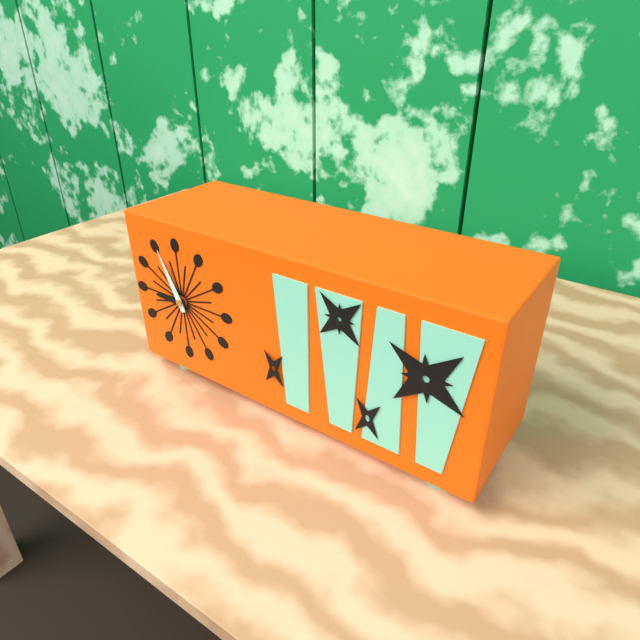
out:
8 h 56 min
